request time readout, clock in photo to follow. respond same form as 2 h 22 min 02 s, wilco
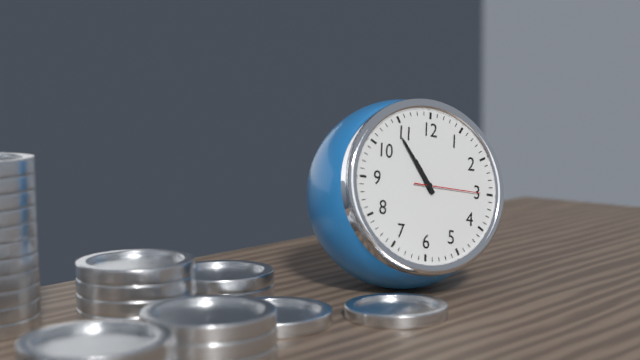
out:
10 h 54 min 15 s
